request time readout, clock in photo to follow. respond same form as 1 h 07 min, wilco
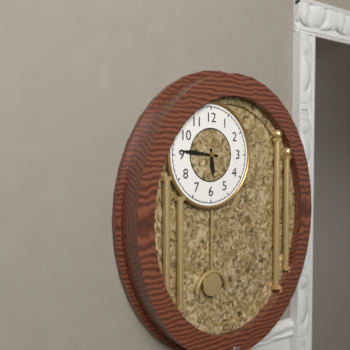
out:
5 h 46 min
